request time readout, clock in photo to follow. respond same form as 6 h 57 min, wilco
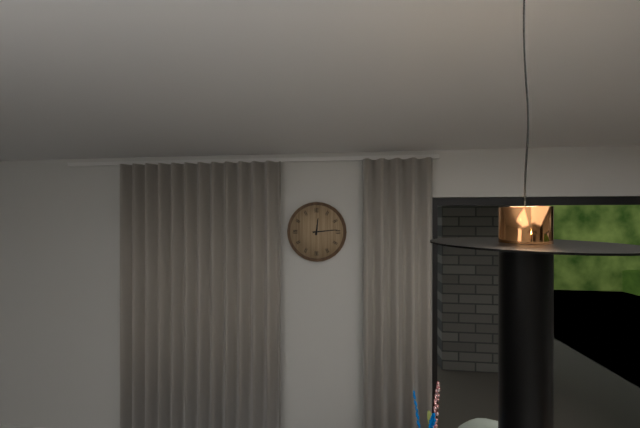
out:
12 h 14 min
